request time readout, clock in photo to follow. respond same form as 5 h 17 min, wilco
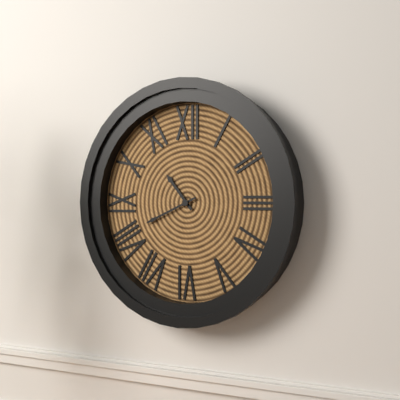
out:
10 h 41 min
